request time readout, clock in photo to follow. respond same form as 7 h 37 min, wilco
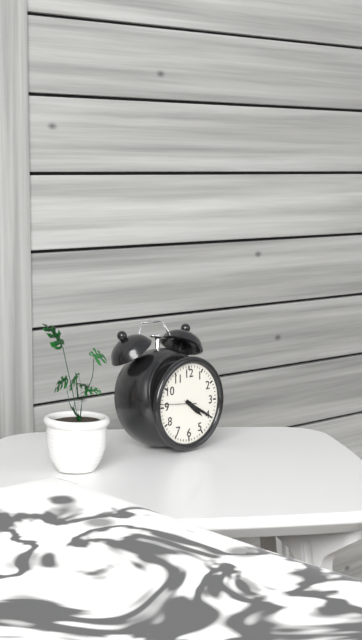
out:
4 h 20 min
